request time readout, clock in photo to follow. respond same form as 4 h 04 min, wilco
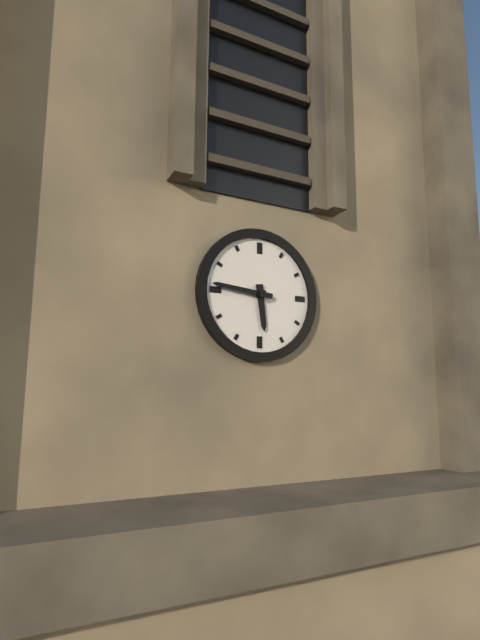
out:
5 h 46 min
